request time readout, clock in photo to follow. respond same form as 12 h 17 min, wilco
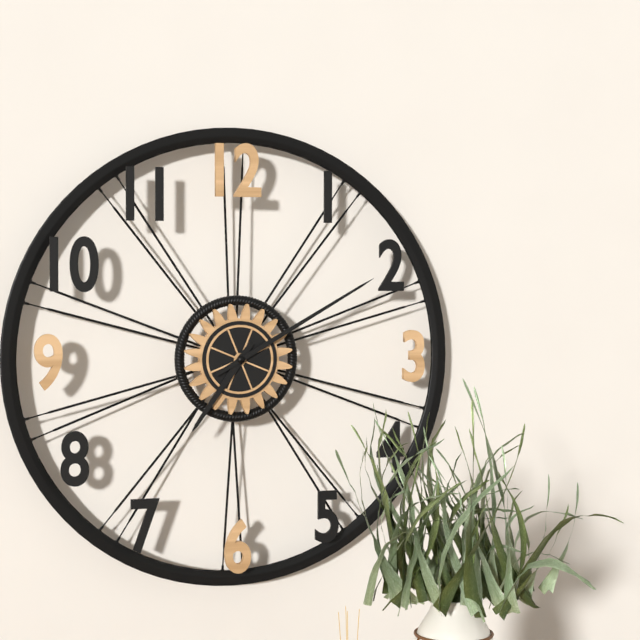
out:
7 h 10 min
